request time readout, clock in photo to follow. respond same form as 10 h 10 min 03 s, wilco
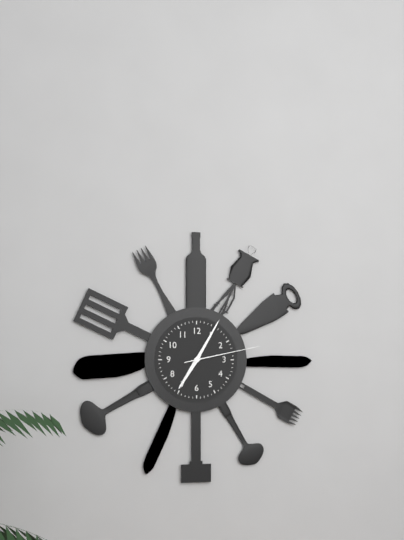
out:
7 h 05 min 13 s
